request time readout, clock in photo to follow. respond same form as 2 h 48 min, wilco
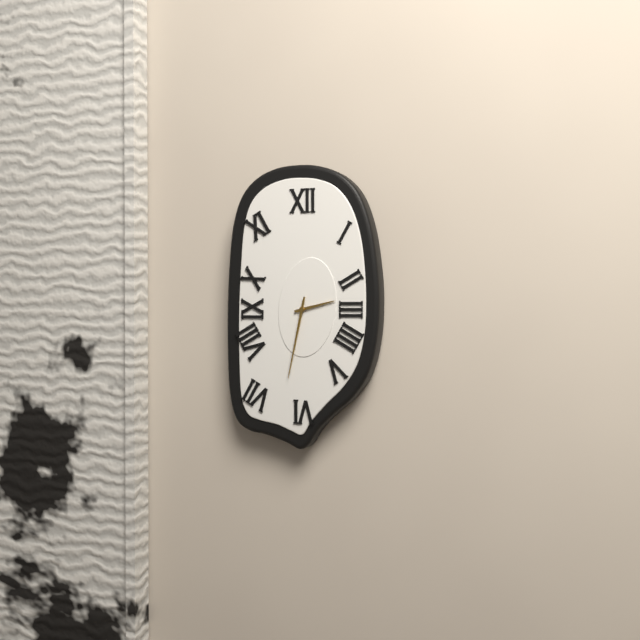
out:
2 h 32 min
